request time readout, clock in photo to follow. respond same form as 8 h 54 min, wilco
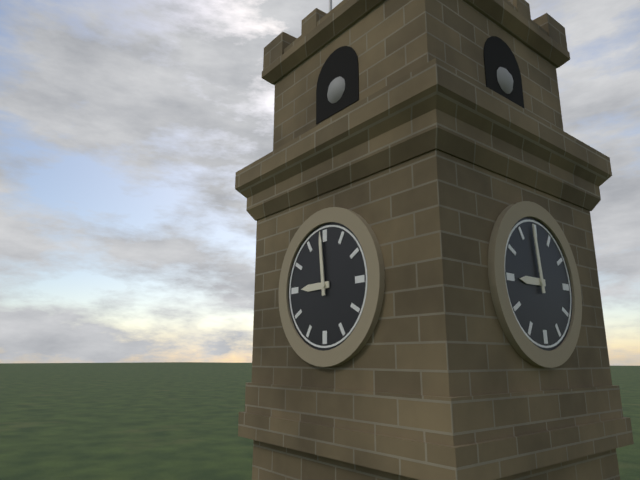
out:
8 h 59 min
